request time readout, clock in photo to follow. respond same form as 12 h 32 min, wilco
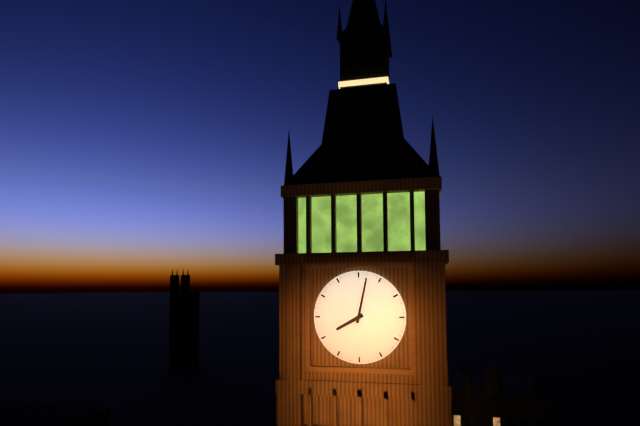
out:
8 h 02 min
